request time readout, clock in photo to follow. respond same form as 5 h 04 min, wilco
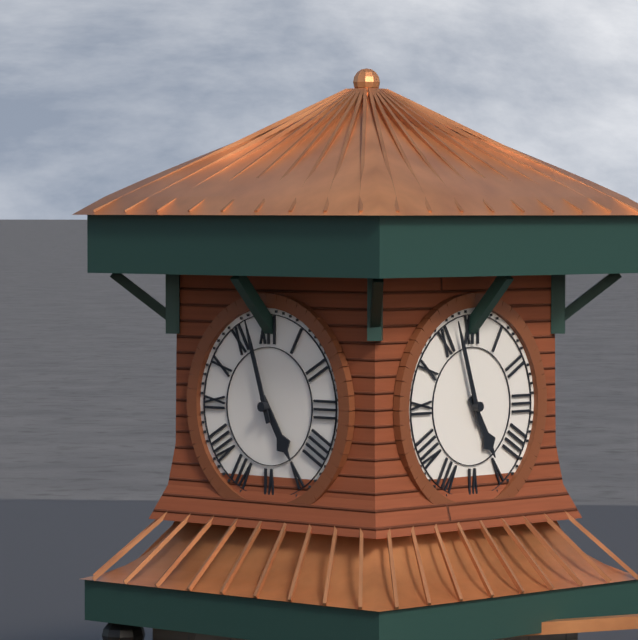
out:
4 h 57 min
